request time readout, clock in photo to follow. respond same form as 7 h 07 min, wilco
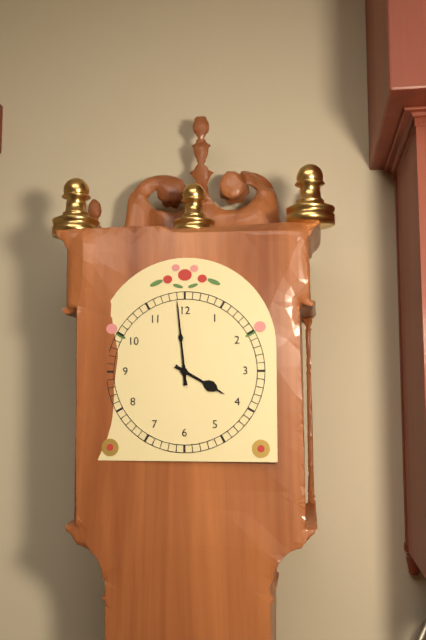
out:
3 h 59 min
